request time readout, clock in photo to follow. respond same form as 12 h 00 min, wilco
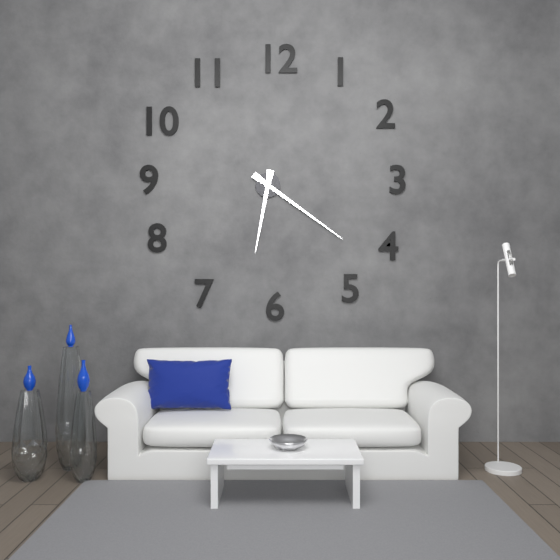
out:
6 h 21 min
